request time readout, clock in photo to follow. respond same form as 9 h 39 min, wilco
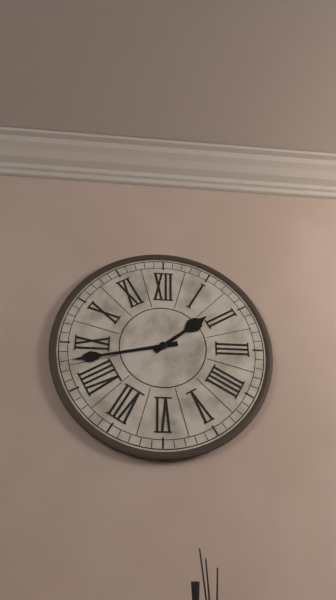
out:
1 h 43 min
